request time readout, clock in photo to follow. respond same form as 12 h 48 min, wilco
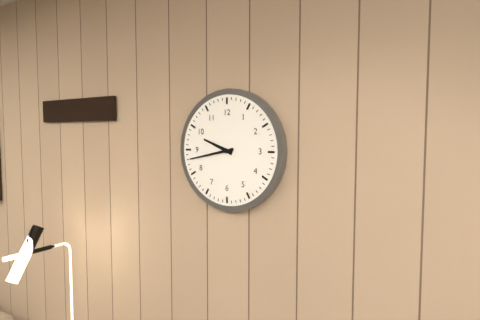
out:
9 h 43 min
